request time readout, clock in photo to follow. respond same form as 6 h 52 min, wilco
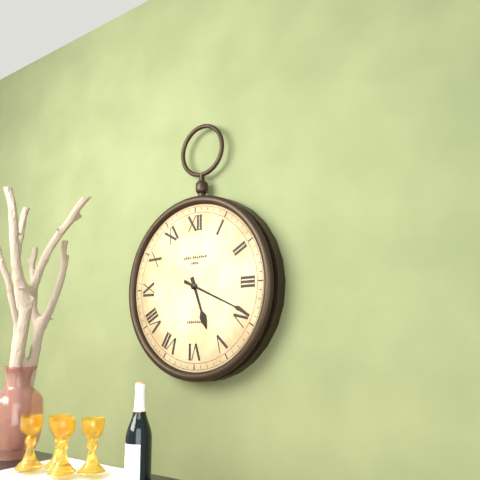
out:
5 h 19 min
